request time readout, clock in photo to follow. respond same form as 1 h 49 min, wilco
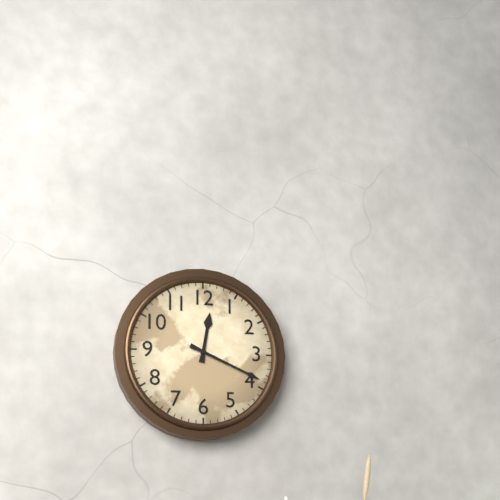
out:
12 h 19 min
